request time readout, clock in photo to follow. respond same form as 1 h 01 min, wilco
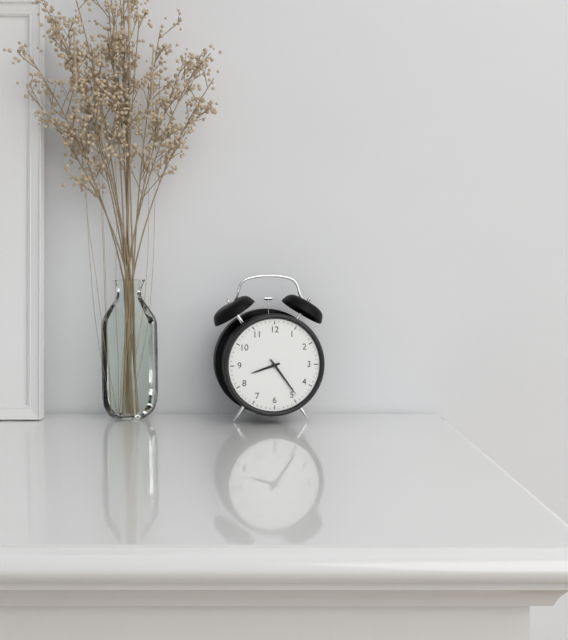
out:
8 h 24 min
